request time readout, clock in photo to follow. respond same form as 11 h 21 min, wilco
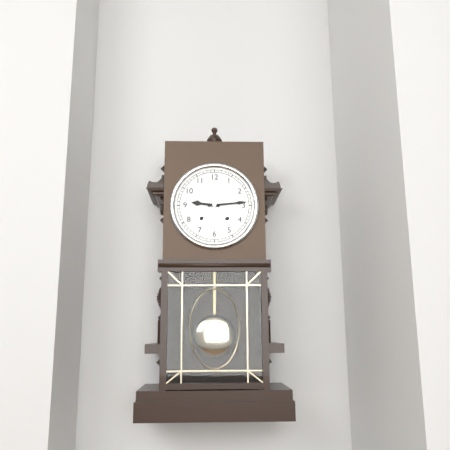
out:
9 h 14 min
